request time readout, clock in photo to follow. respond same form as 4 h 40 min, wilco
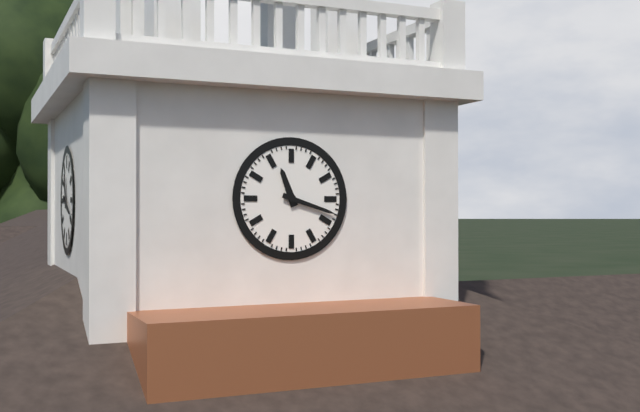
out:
11 h 18 min
